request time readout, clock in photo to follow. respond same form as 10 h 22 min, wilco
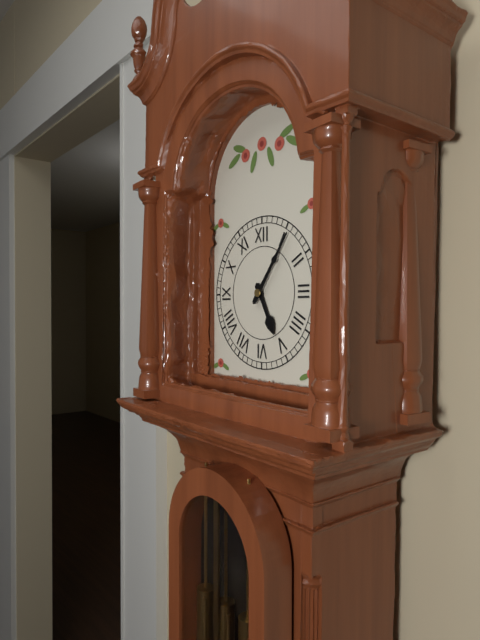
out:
5 h 06 min
